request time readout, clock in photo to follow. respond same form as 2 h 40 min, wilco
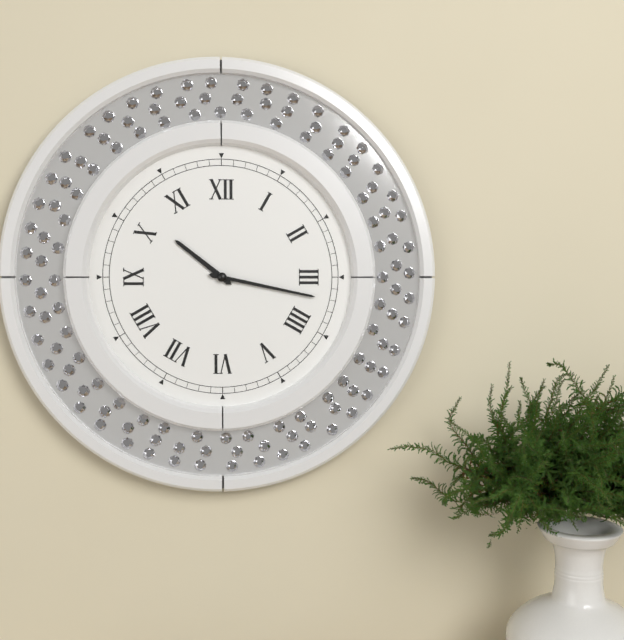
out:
10 h 17 min
